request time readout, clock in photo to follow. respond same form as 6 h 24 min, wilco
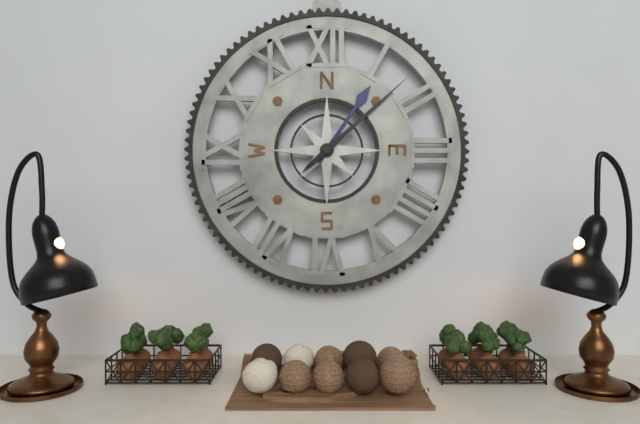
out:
1 h 08 min
